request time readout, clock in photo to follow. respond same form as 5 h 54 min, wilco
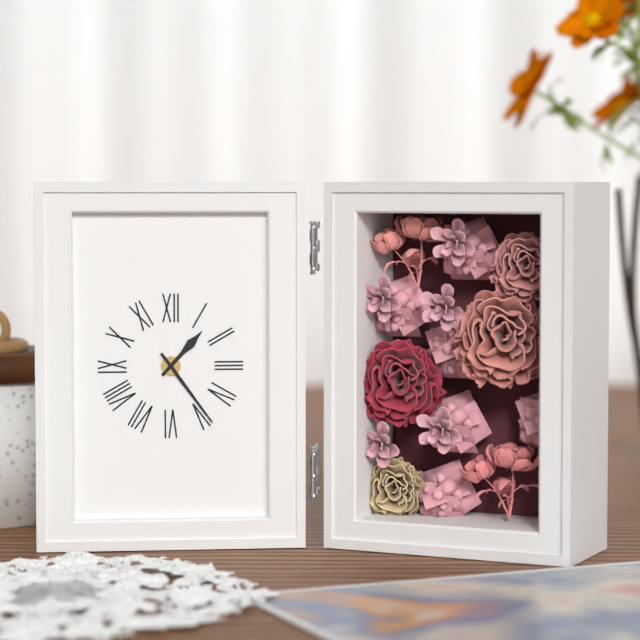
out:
1 h 24 min
